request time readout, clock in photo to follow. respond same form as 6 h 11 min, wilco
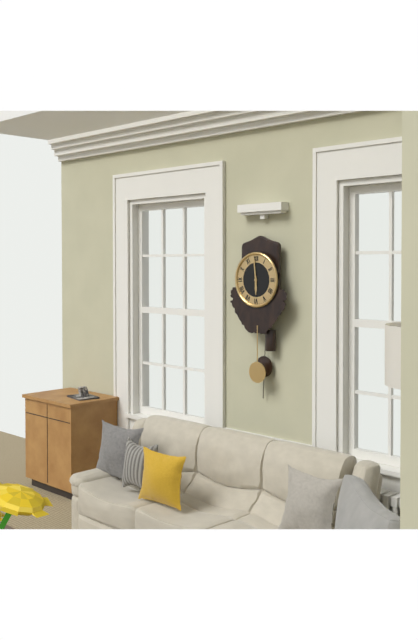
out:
5 h 59 min
